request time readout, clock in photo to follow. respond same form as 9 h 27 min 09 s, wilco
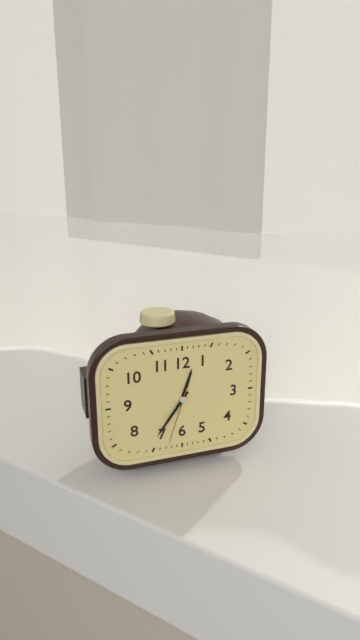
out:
12 h 36 min 33 s
